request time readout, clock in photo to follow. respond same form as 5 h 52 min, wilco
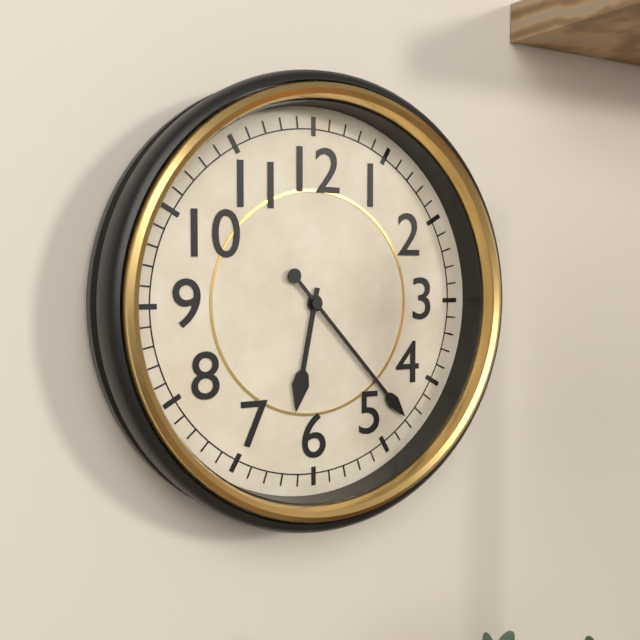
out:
6 h 23 min
